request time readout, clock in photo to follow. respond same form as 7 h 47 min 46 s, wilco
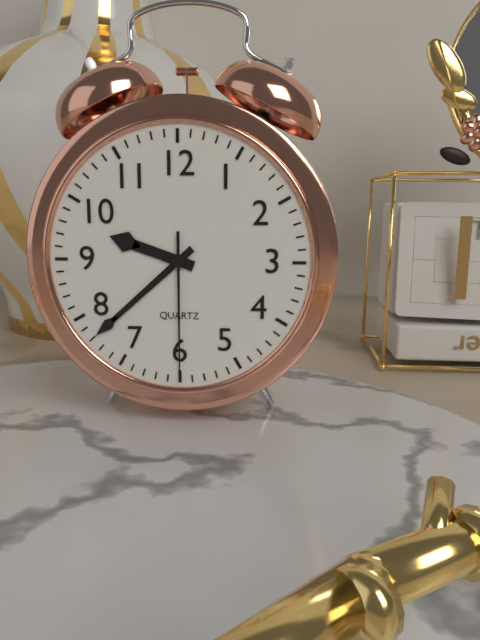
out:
9 h 38 min 30 s
